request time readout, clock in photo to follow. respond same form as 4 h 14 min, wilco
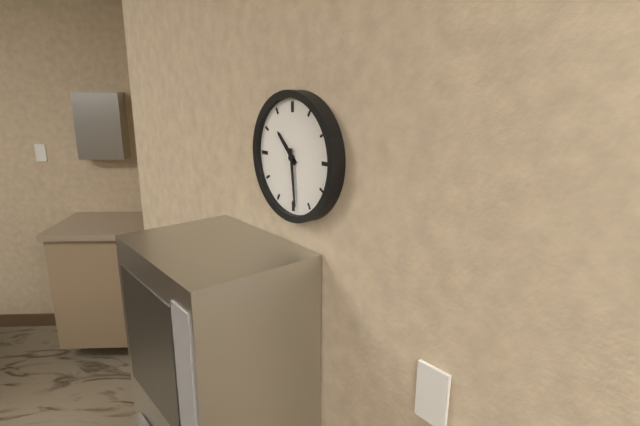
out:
10 h 29 min
